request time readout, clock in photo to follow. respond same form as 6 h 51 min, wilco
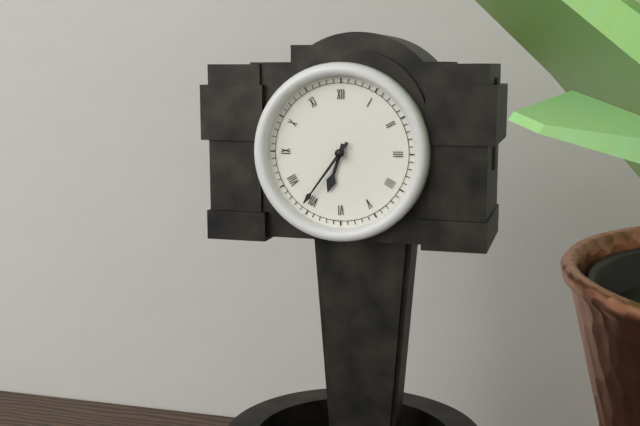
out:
6 h 36 min
